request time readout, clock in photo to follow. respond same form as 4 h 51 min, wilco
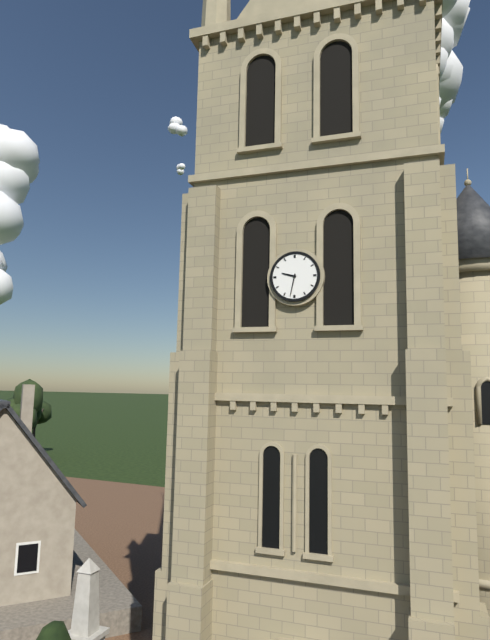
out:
9 h 32 min
